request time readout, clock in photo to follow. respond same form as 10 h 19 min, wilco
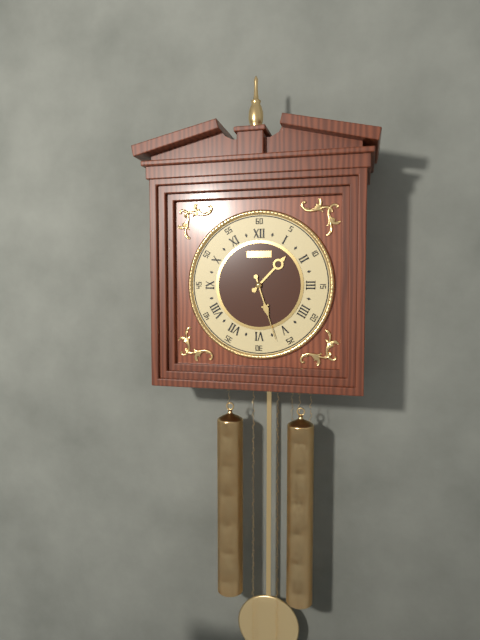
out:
1 h 27 min
